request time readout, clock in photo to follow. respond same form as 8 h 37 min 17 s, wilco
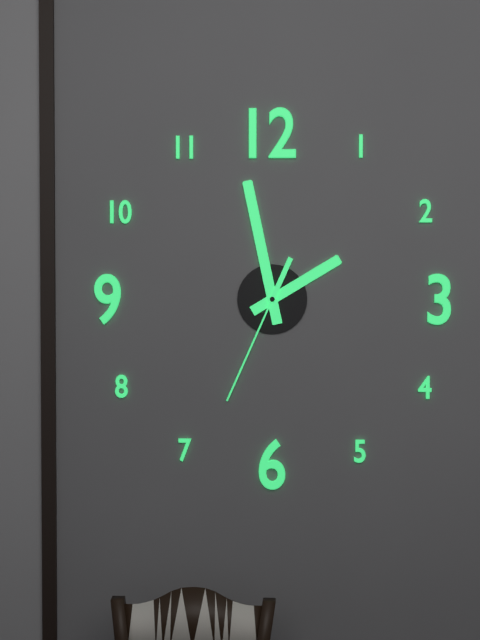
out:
1 h 58 min 34 s
